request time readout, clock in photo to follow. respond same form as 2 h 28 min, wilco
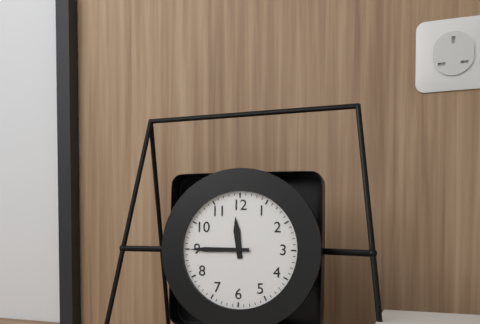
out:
11 h 45 min
